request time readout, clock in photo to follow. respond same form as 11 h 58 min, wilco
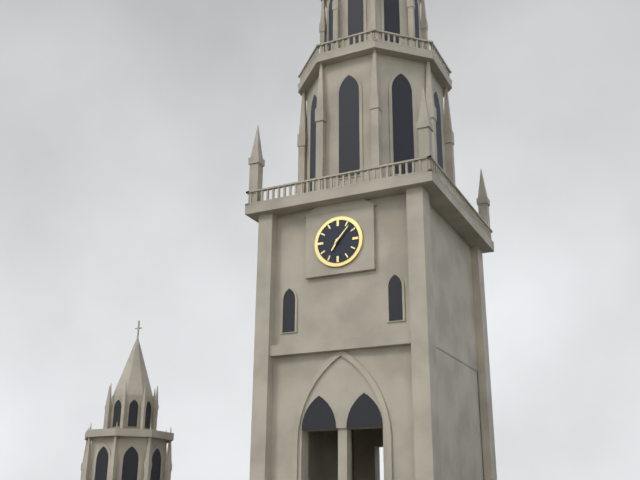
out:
7 h 07 min
